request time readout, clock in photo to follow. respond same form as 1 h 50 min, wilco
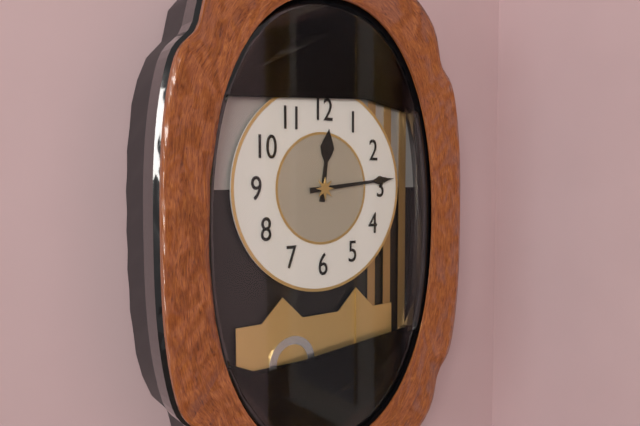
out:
12 h 14 min
